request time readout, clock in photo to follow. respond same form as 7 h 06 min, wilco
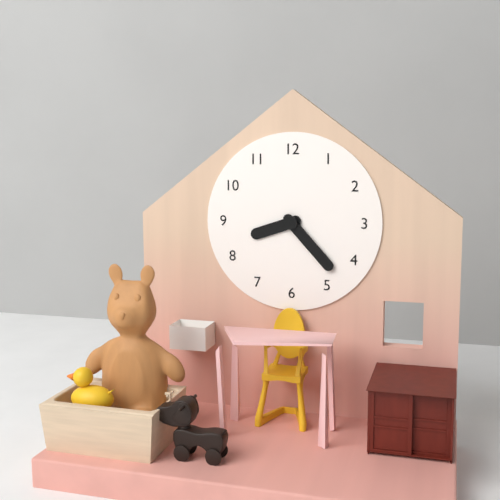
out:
8 h 23 min
